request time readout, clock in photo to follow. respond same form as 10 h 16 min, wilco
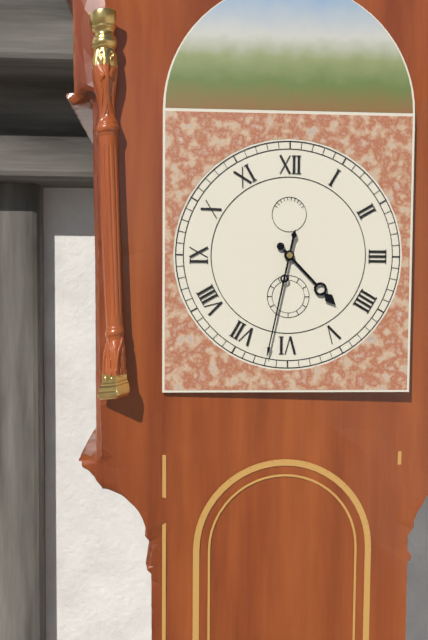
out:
4 h 32 min
